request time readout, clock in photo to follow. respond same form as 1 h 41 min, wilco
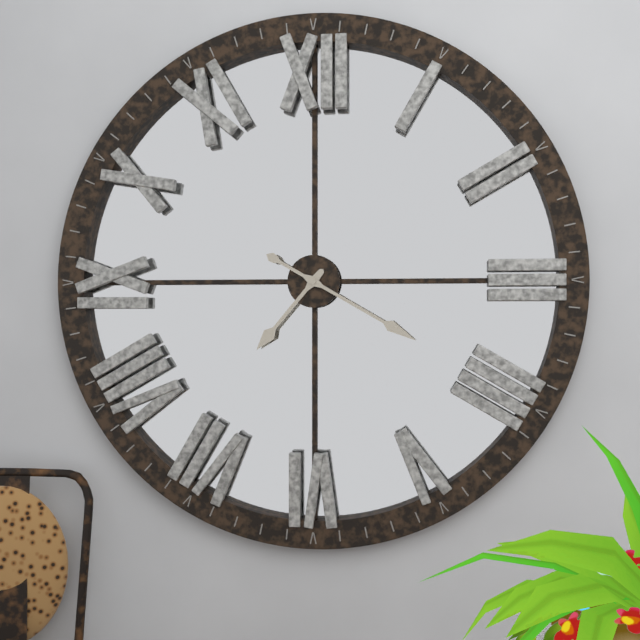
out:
7 h 20 min
